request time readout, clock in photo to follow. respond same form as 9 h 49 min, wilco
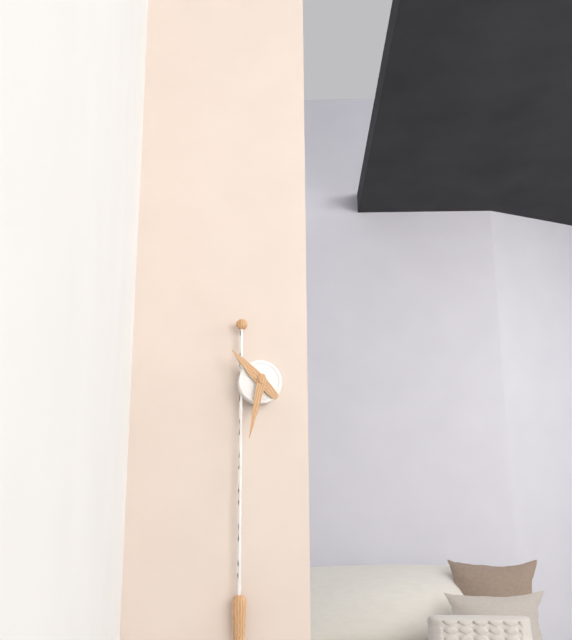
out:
10 h 32 min
